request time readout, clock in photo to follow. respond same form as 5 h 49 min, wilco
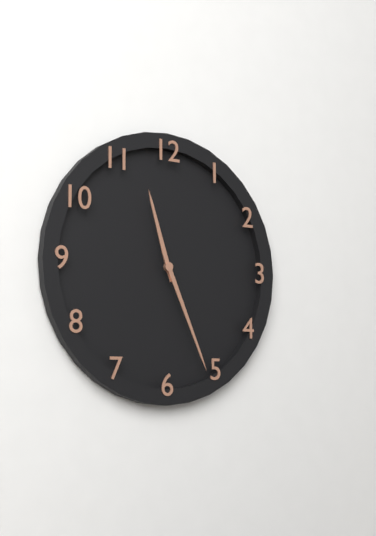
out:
11 h 26 min
